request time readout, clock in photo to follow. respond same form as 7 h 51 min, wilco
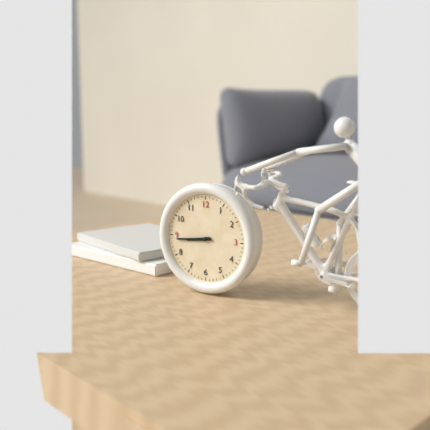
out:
8 h 44 min
